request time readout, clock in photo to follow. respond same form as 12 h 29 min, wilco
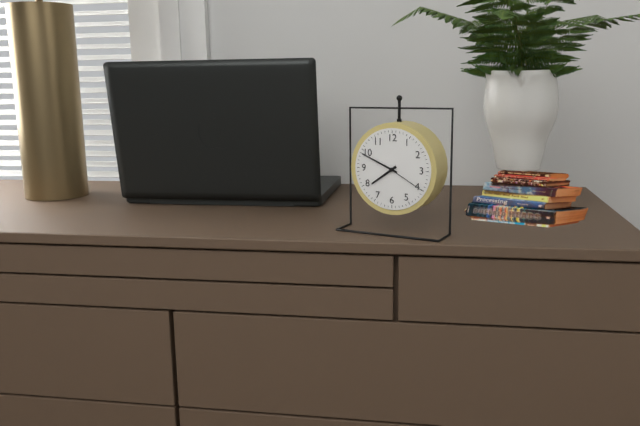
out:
7 h 49 min
